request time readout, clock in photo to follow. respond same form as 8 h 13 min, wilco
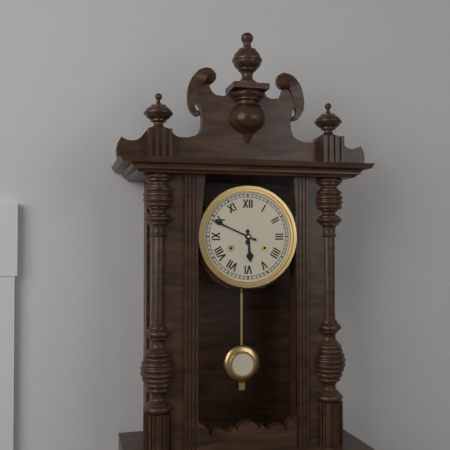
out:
5 h 49 min
